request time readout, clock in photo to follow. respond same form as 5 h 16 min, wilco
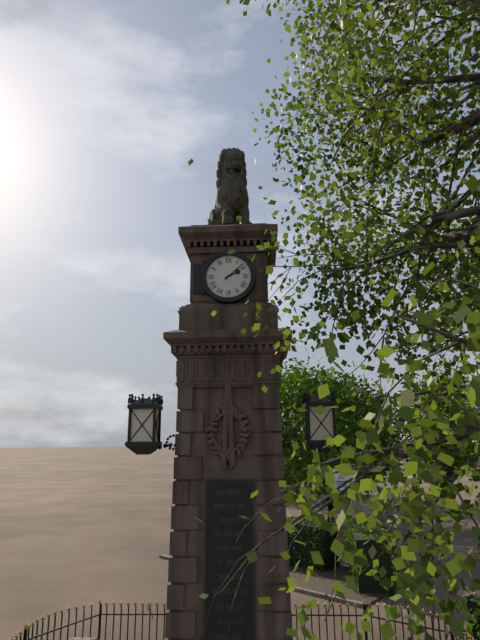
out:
2 h 08 min
